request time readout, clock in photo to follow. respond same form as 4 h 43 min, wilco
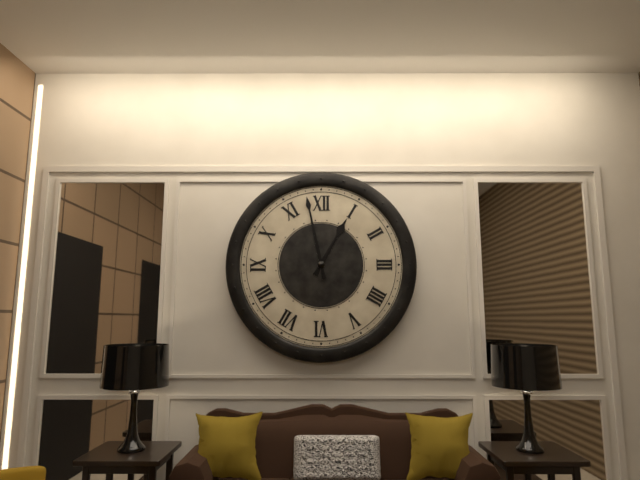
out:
12 h 58 min
